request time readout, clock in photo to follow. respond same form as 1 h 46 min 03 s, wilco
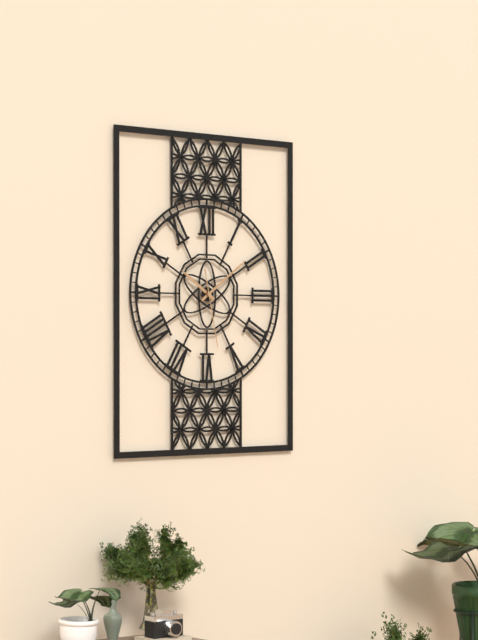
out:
10 h 09 min 28 s
